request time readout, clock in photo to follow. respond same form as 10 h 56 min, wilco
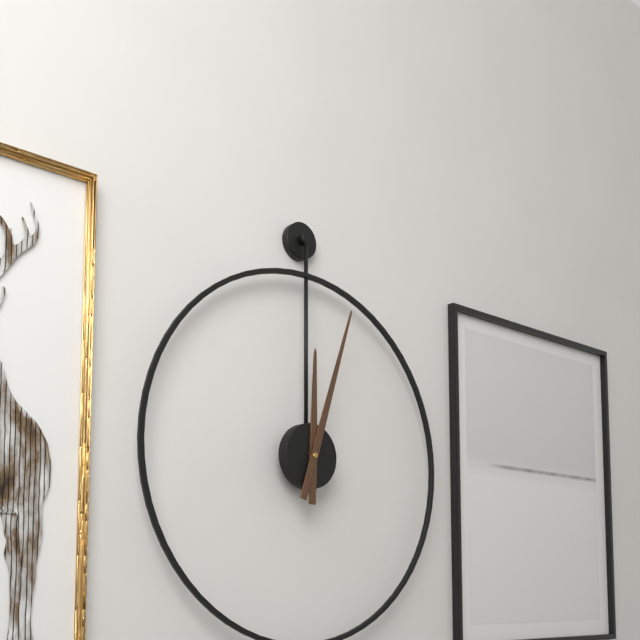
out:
12 h 03 min
